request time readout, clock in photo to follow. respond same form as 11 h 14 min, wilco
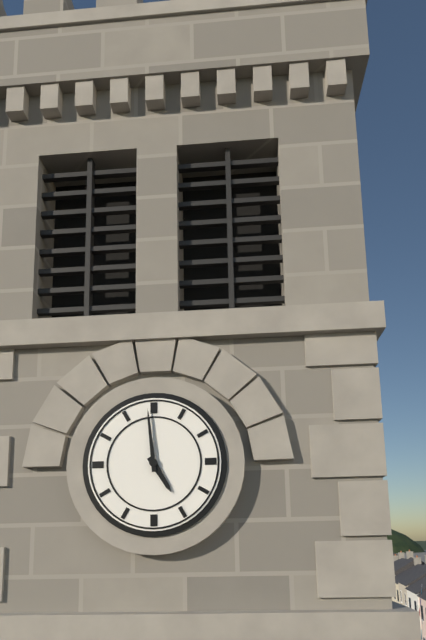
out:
4 h 59 min
